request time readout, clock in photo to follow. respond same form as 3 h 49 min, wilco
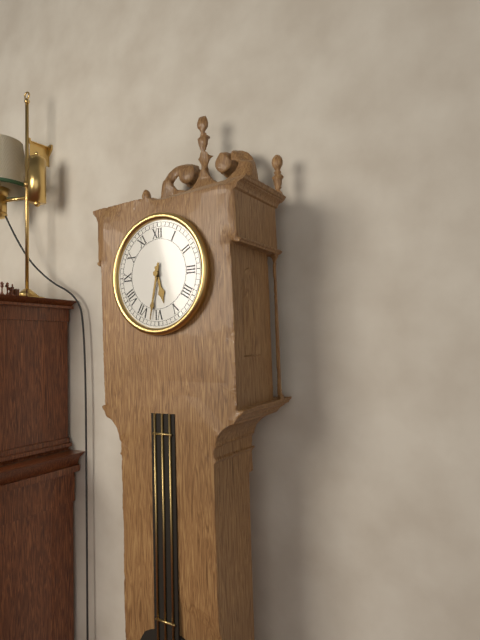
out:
5 h 32 min
